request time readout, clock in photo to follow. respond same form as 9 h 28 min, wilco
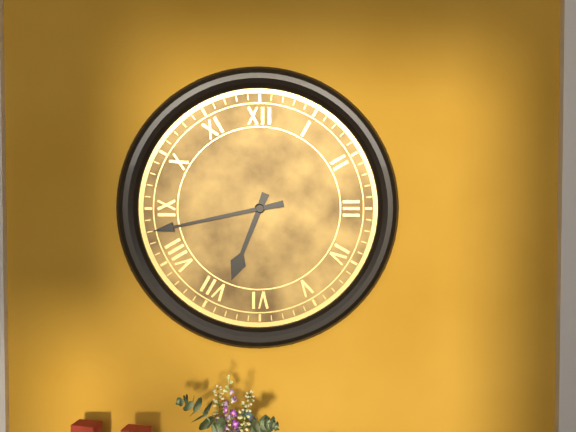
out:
6 h 43 min
